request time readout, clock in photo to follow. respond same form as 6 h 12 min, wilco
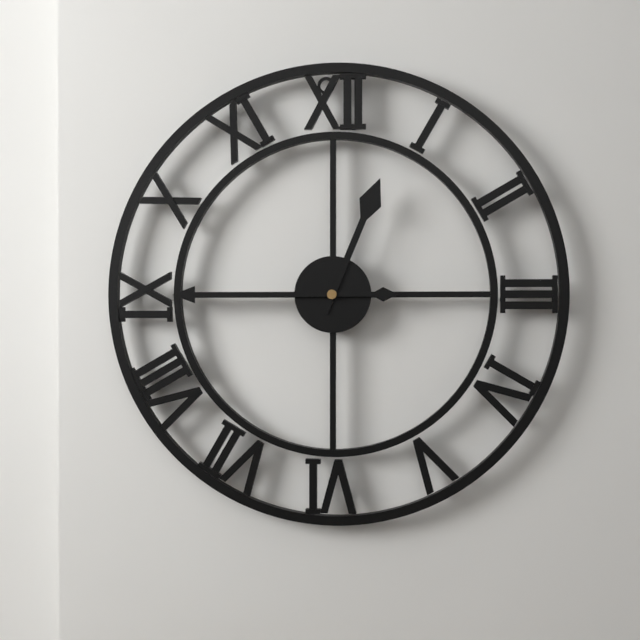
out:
12 h 45 min
